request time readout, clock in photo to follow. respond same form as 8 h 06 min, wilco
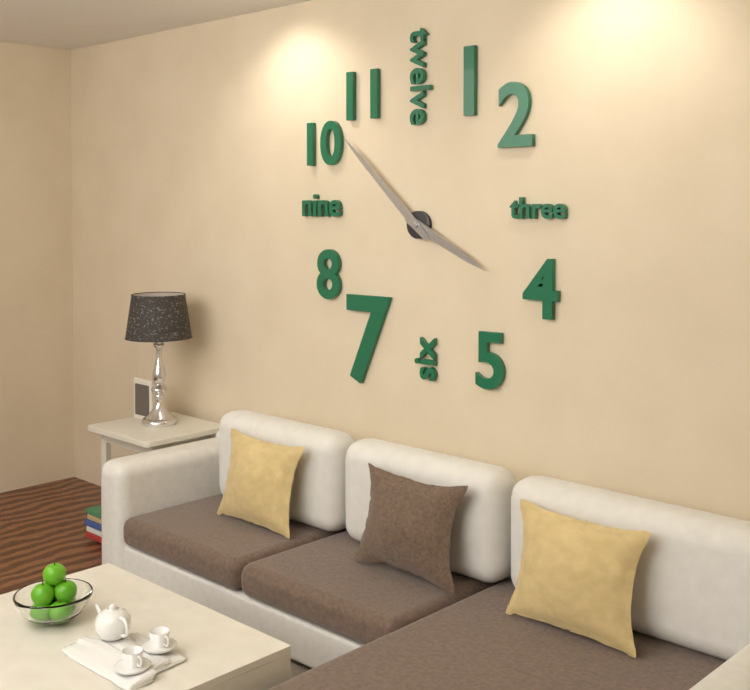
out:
3 h 52 min
